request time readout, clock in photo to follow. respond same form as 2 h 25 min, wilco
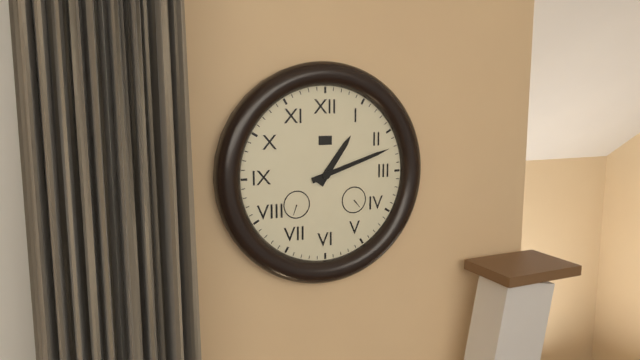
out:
1 h 12 min
